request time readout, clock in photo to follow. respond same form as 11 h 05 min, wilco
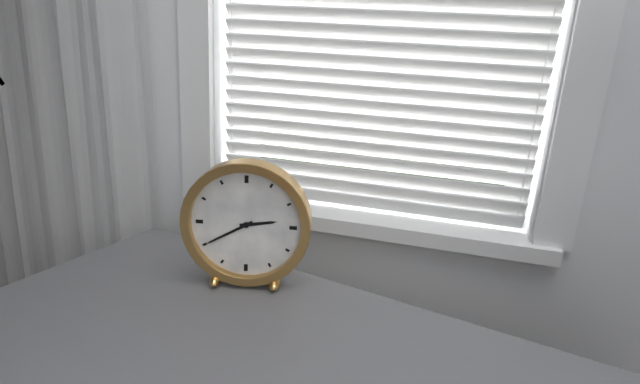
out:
2 h 40 min
